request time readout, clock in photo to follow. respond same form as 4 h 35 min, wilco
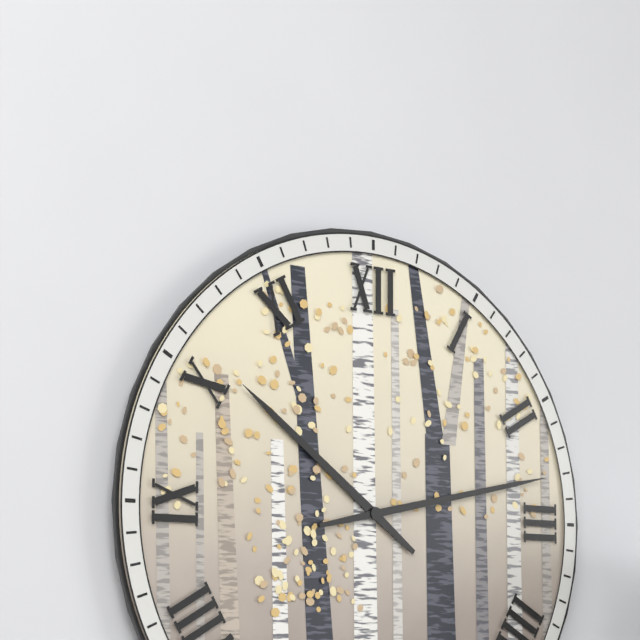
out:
10 h 13 min
